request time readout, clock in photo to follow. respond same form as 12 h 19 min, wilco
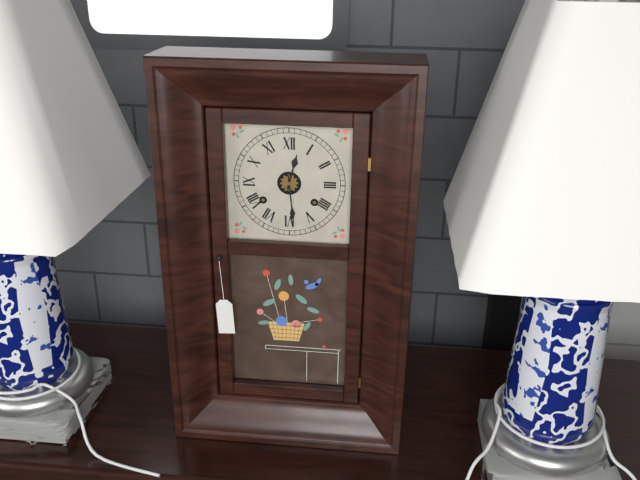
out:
12 h 29 min
